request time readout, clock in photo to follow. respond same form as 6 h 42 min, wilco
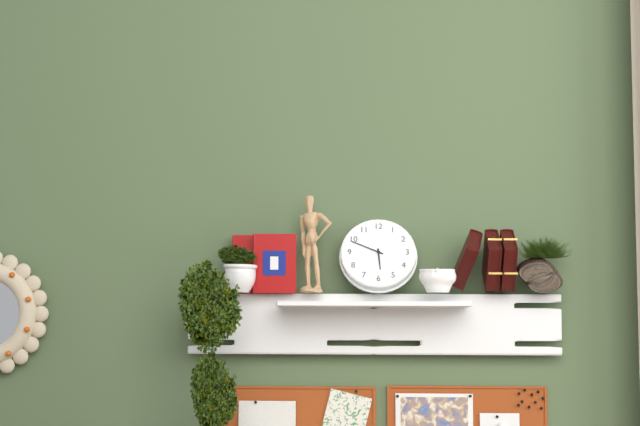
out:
5 h 49 min
